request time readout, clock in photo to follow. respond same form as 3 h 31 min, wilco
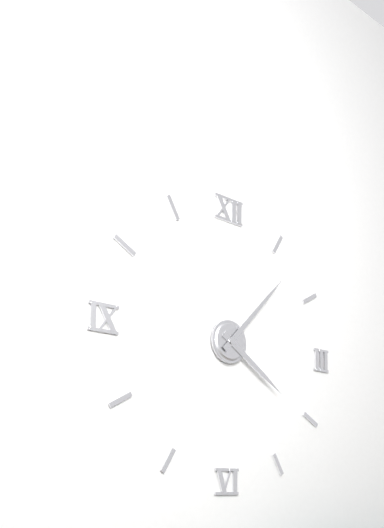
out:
4 h 07 min
